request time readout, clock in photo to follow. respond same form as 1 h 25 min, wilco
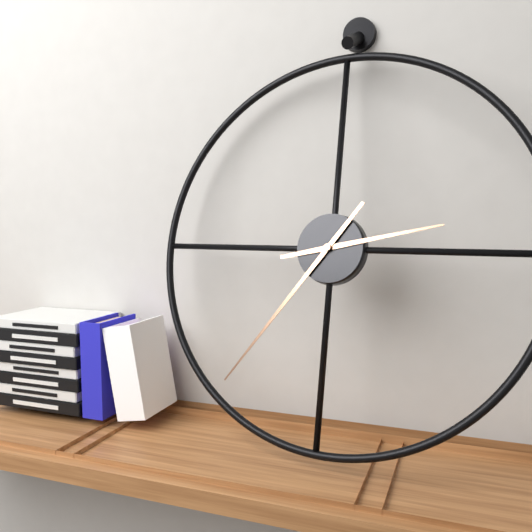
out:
2 h 36 min
